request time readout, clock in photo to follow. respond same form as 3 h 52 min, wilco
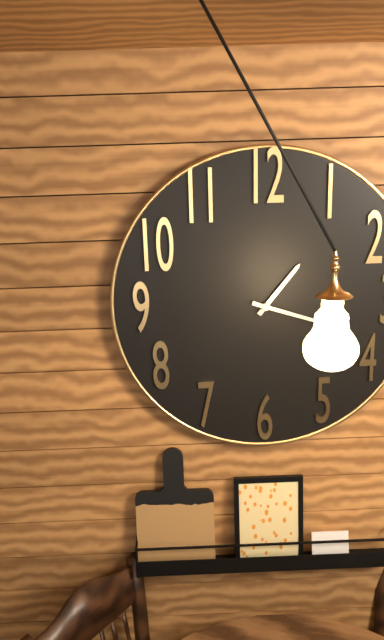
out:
1 h 18 min
